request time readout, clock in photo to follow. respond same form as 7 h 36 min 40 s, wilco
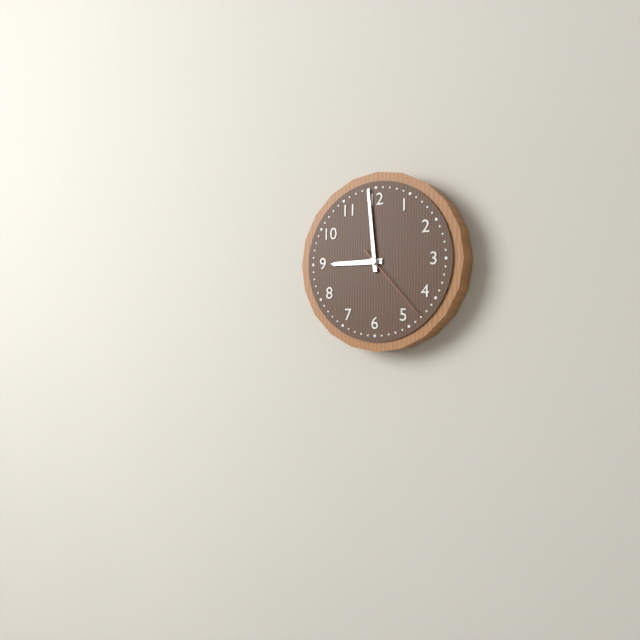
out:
8 h 59 min 23 s
